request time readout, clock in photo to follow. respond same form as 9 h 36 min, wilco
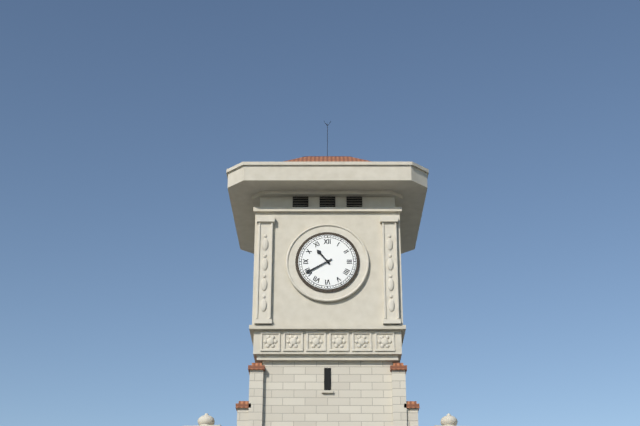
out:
10 h 40 min
